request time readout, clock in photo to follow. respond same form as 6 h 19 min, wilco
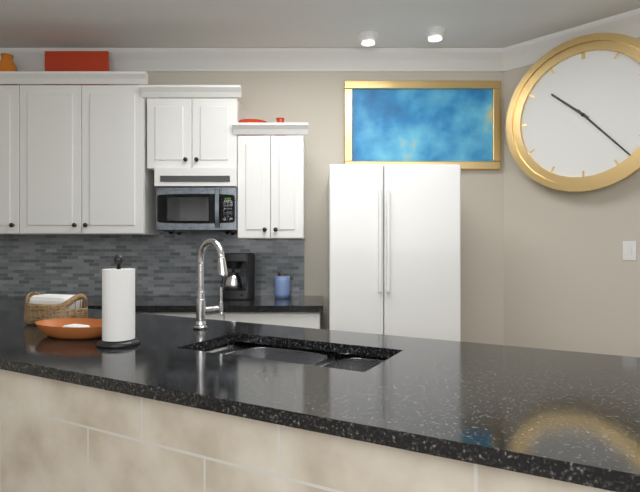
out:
10 h 23 min
